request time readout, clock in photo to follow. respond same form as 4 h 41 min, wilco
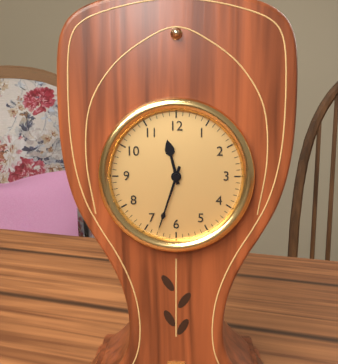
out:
11 h 33 min
